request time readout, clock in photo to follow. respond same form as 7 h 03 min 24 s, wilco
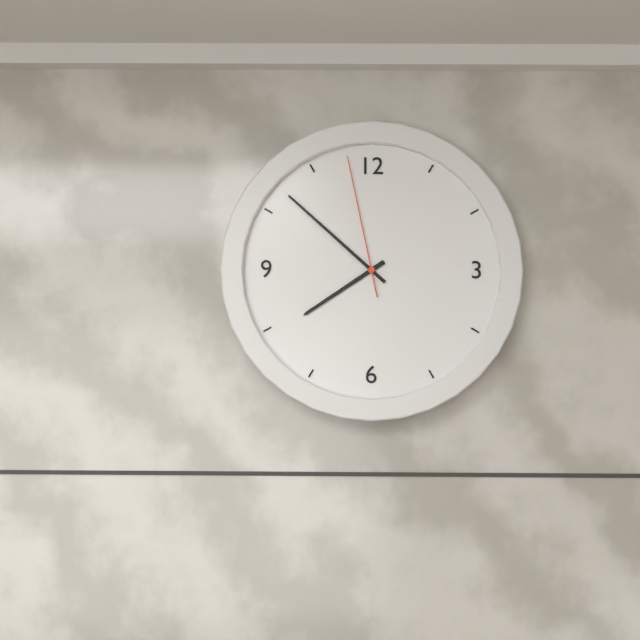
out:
7 h 52 min 58 s
